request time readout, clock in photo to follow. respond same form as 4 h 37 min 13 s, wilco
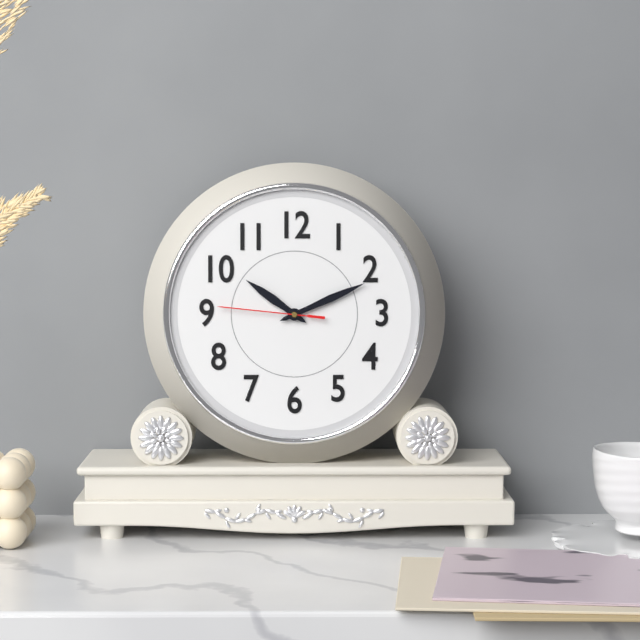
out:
10 h 11 min 46 s
